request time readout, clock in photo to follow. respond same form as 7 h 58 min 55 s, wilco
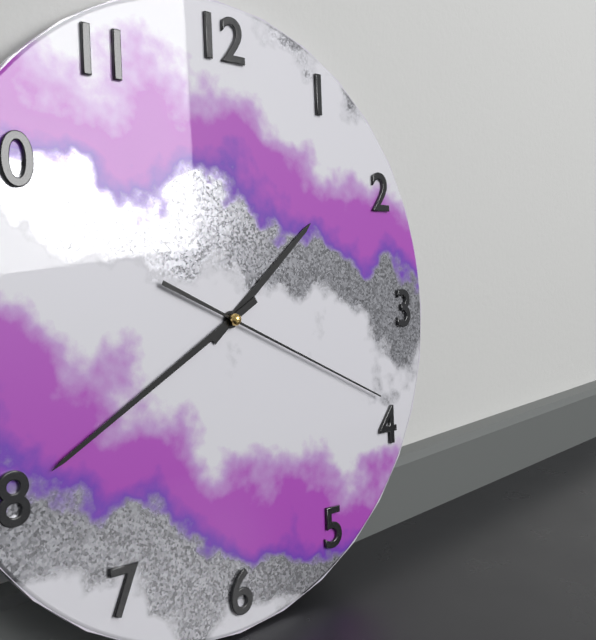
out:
1 h 40 min 19 s
